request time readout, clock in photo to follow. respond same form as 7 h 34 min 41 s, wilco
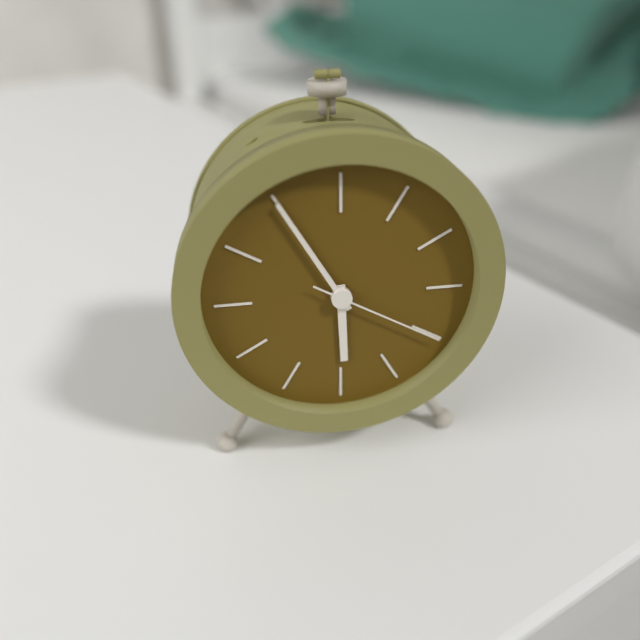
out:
5 h 55 min 20 s
